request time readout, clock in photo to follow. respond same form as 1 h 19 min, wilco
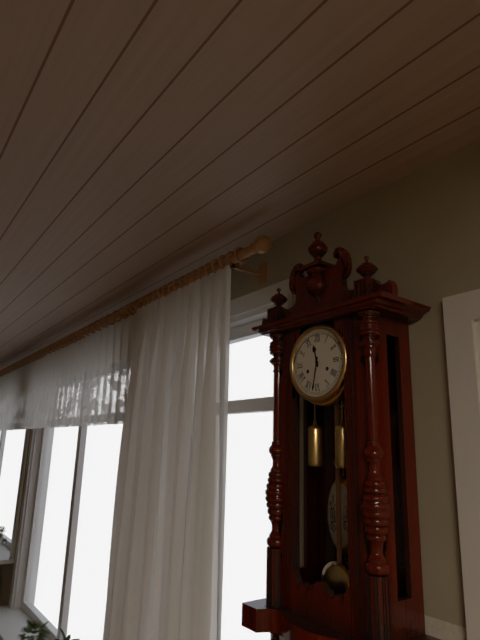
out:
11 h 32 min
